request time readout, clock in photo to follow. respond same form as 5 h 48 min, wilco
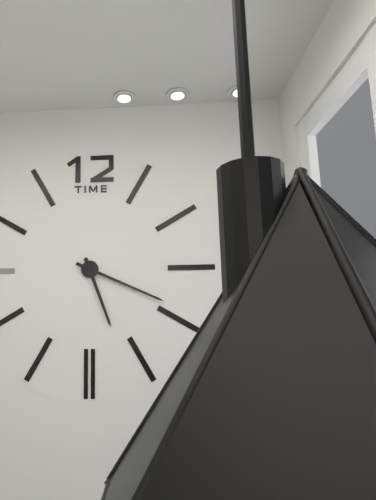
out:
5 h 19 min
